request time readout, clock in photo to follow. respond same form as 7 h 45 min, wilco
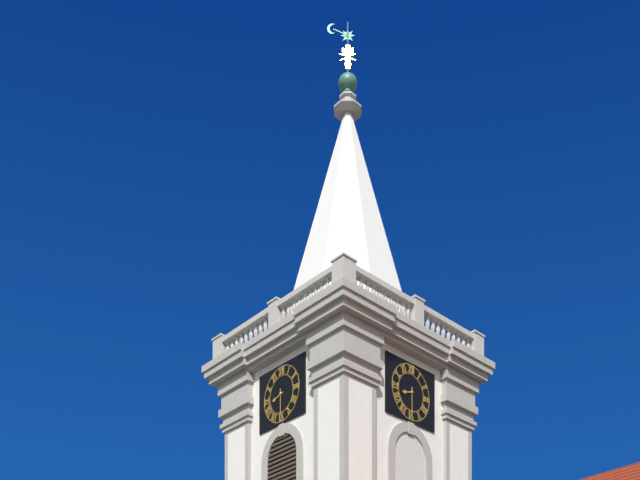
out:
8 h 30 min
